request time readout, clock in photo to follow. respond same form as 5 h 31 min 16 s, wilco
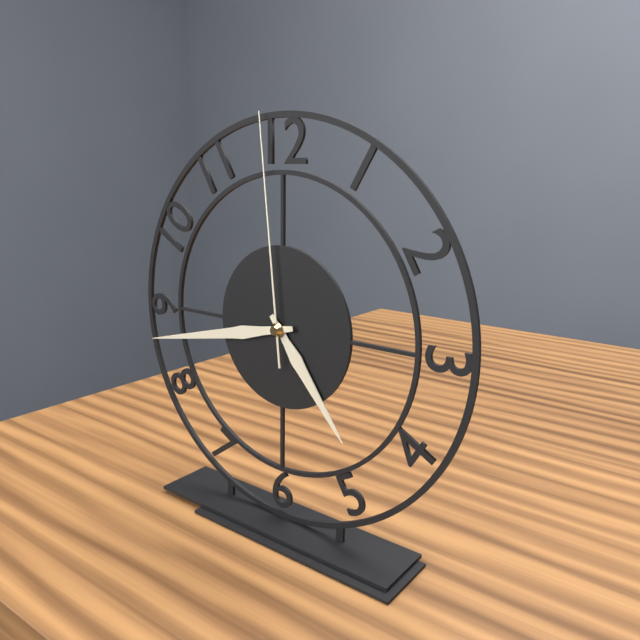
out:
4 h 43 min 59 s
